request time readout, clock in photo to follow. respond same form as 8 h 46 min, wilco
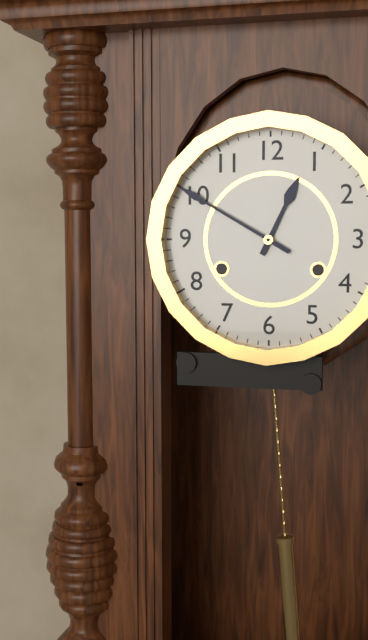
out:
12 h 50 min
